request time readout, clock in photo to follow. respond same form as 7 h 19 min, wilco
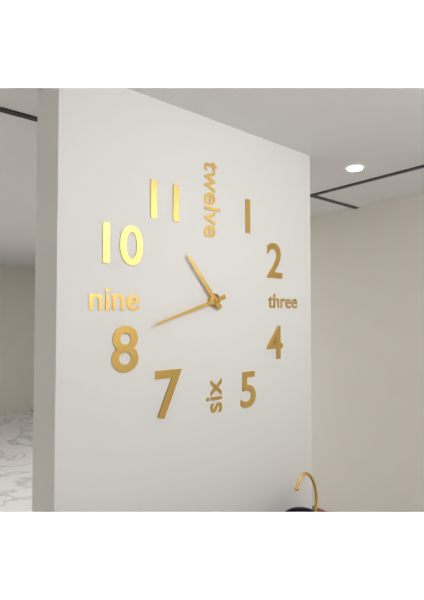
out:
10 h 42 min
